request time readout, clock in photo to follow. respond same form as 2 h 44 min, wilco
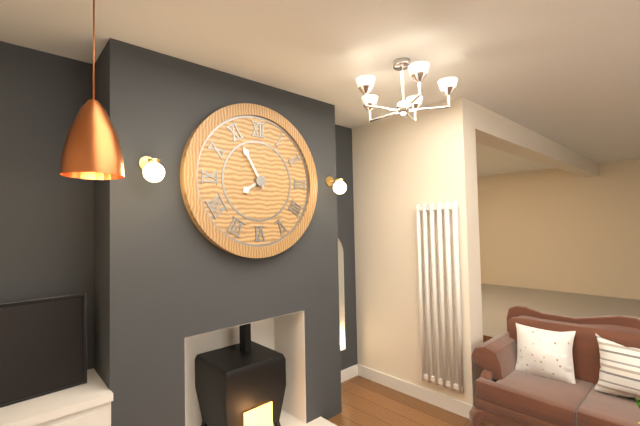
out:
7 h 55 min
